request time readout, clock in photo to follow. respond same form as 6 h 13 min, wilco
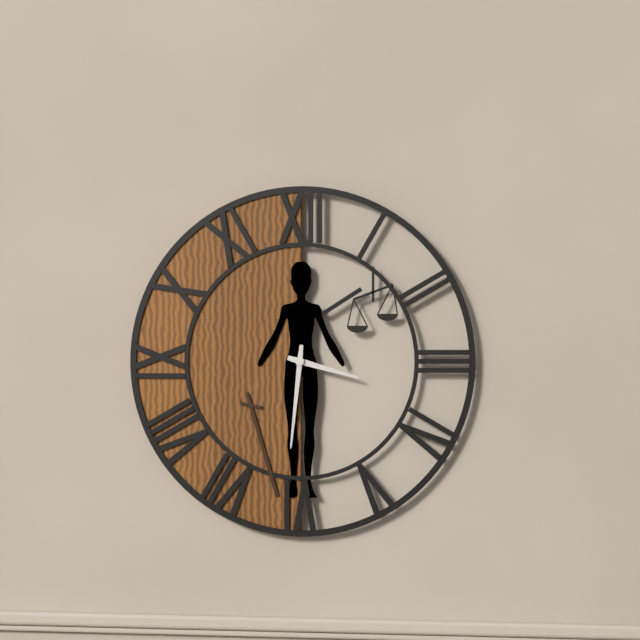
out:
3 h 31 min
